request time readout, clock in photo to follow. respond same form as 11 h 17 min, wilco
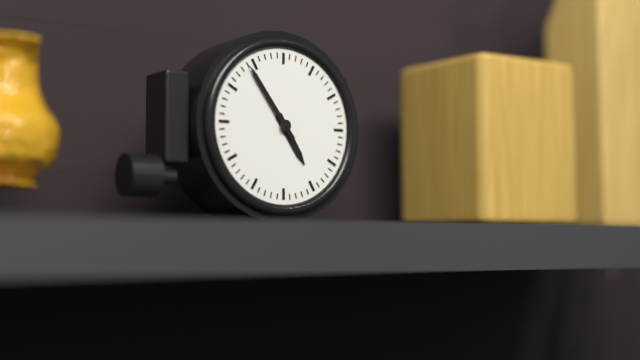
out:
4 h 54 min
